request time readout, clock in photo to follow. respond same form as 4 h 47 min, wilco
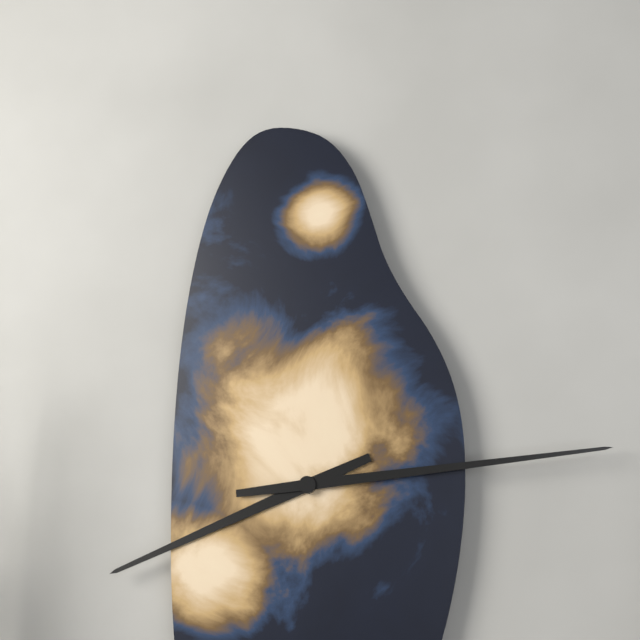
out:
8 h 14 min
